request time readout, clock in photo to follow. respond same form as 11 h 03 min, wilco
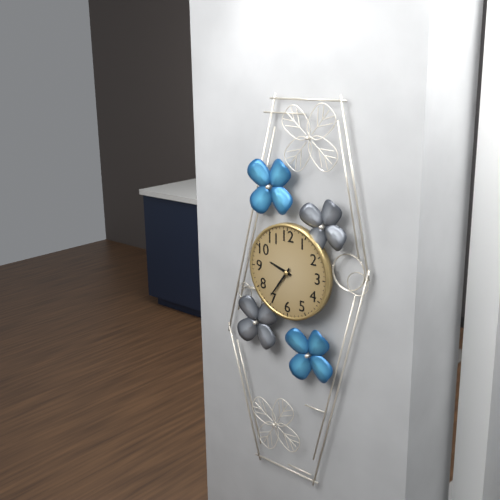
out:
9 h 36 min
